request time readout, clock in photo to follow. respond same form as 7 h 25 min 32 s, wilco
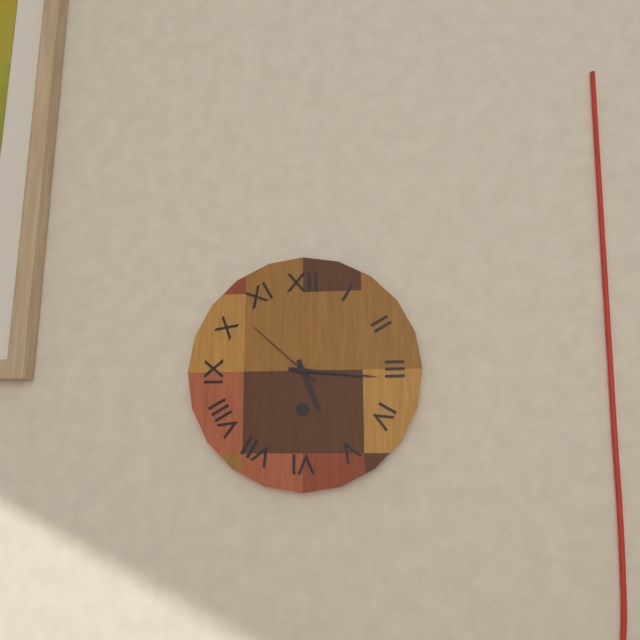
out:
5 h 16 min 52 s
